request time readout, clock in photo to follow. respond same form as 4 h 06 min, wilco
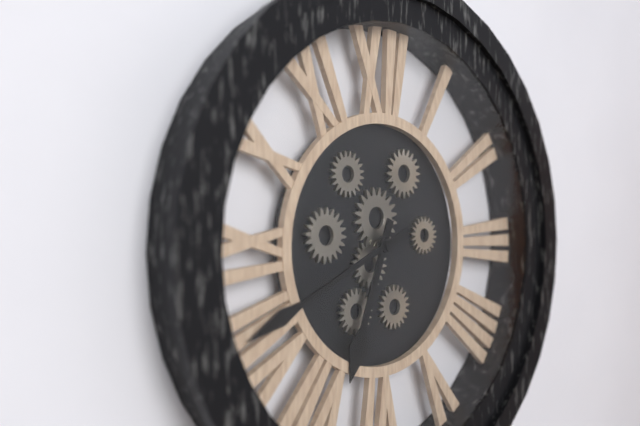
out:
6 h 41 min
